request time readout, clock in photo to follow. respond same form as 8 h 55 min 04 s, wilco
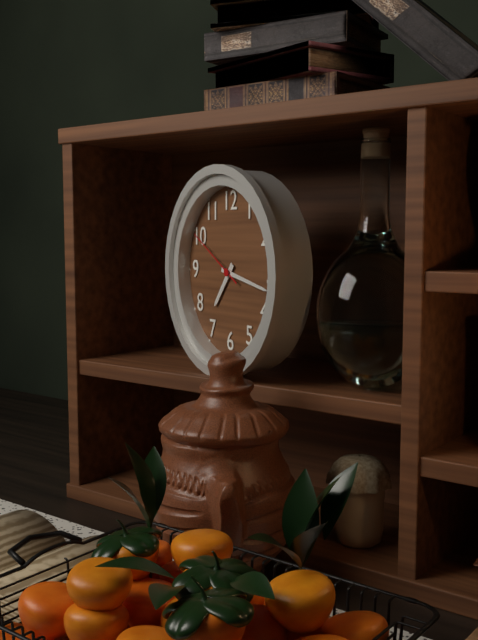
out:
7 h 17 min 50 s
